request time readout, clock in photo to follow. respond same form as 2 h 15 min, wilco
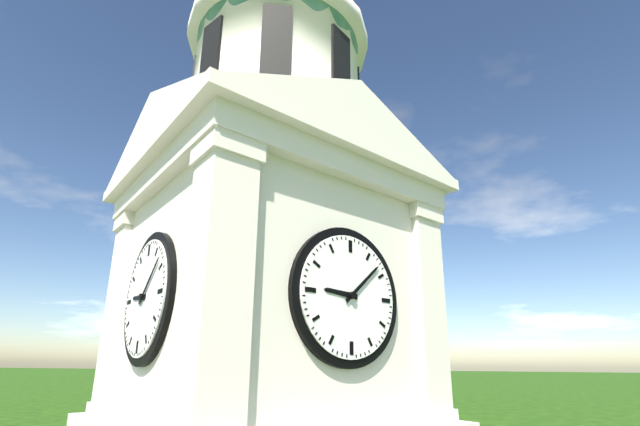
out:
9 h 08 min
